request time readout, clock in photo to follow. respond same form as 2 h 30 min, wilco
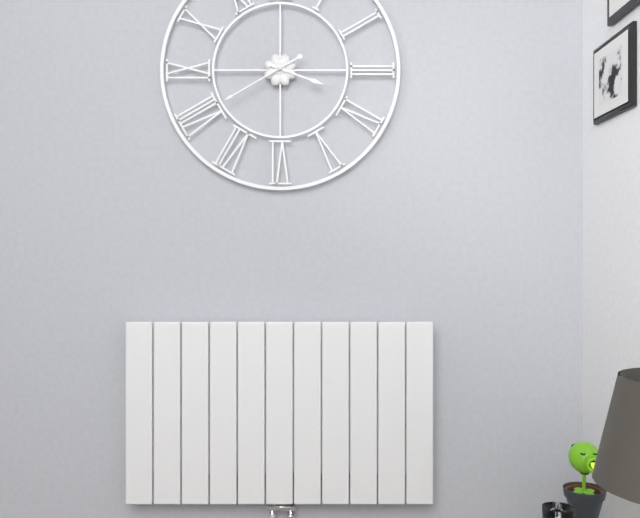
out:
3 h 40 min
